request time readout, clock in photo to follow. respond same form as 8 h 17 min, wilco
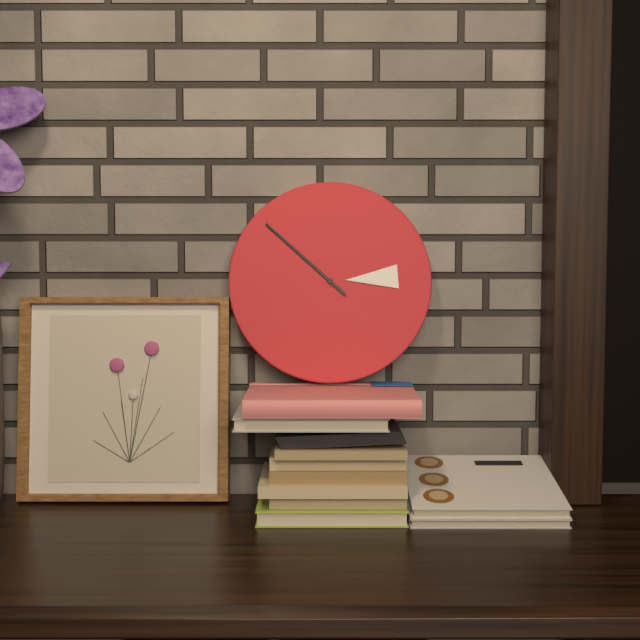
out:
2 h 52 min
